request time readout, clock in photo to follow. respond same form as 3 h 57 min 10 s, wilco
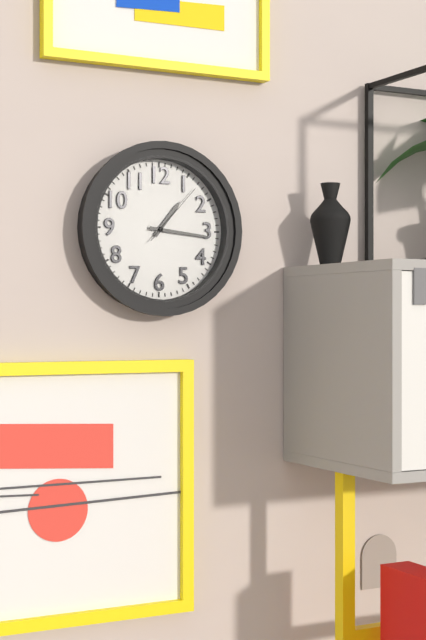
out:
1 h 16 min 07 s
